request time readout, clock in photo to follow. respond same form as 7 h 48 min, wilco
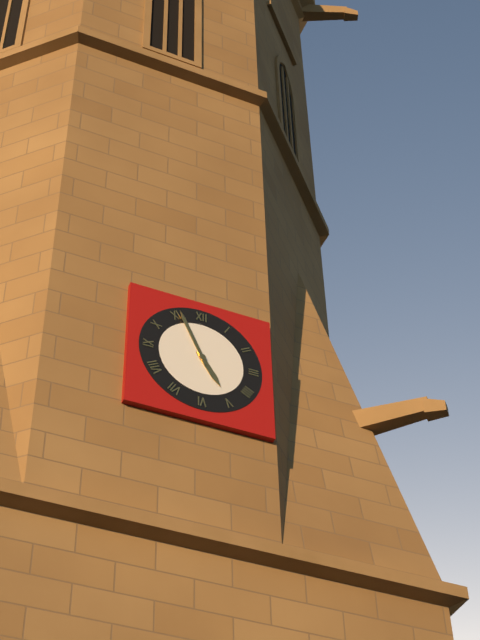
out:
4 h 56 min
